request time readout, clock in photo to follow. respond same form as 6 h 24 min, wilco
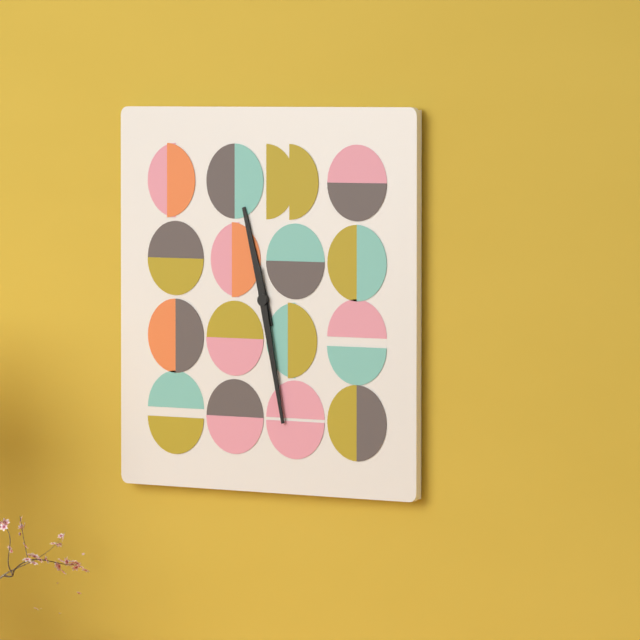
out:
11 h 28 min
